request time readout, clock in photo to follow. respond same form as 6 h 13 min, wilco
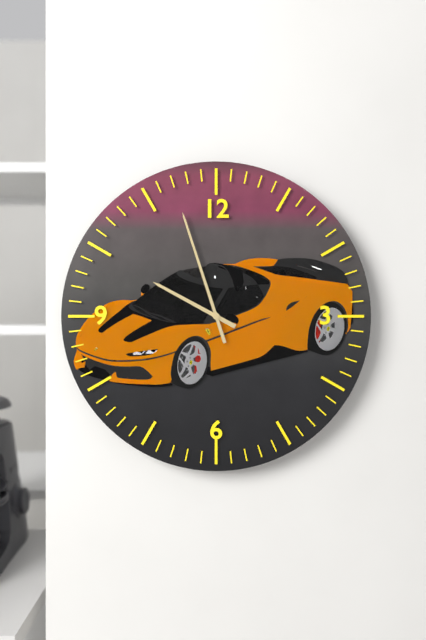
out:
9 h 57 min
